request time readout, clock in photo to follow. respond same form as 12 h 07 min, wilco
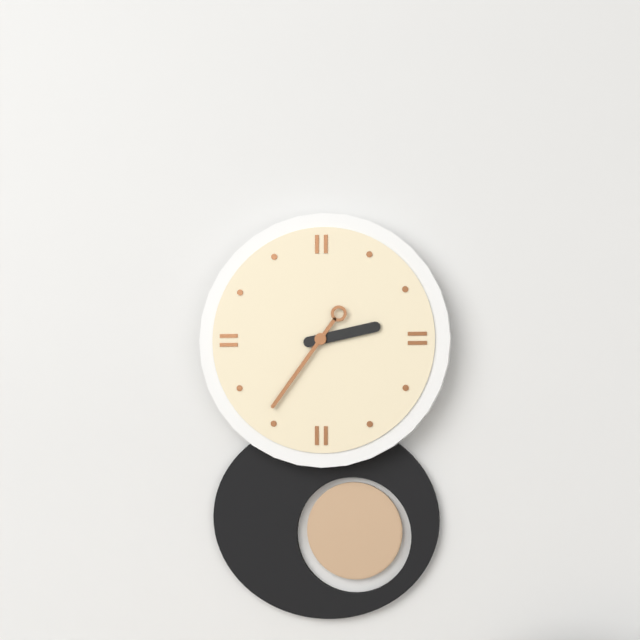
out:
2 h 36 min
